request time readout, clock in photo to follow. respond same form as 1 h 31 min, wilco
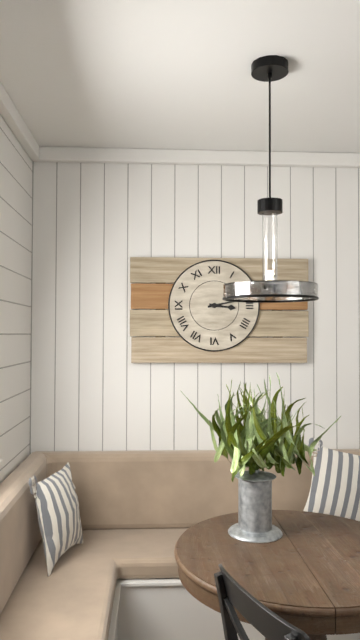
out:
3 h 13 min
